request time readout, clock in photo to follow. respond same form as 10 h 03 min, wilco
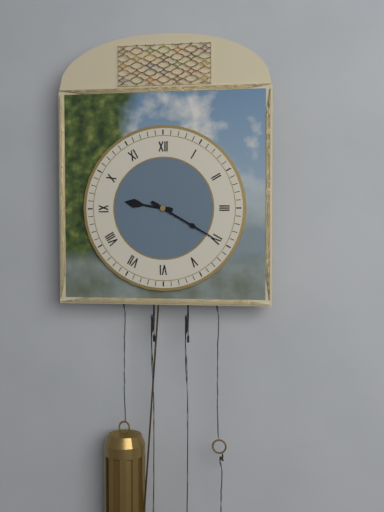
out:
9 h 20 min
